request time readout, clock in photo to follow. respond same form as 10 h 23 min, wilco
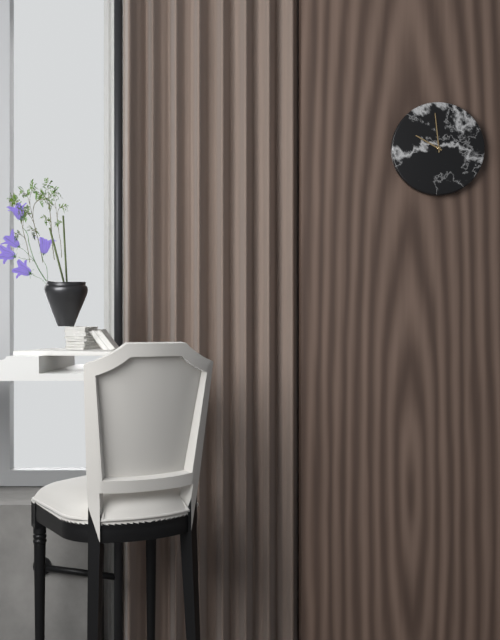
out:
9 h 59 min
